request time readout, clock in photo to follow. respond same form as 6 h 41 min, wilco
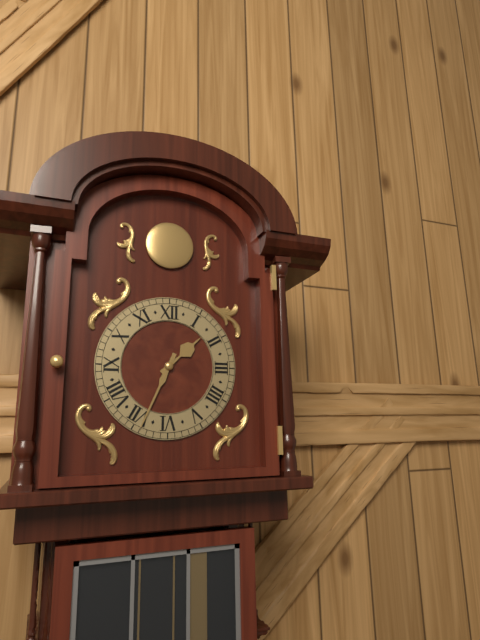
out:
1 h 34 min
